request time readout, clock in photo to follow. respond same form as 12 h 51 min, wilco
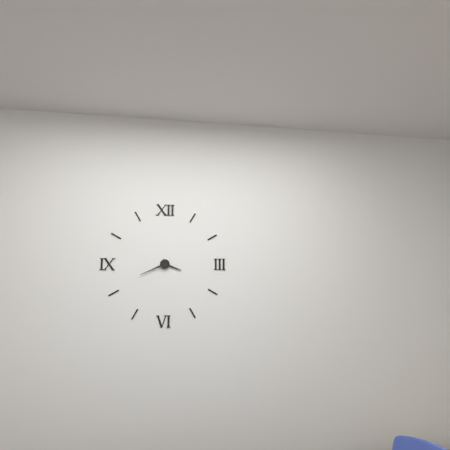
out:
3 h 41 min
